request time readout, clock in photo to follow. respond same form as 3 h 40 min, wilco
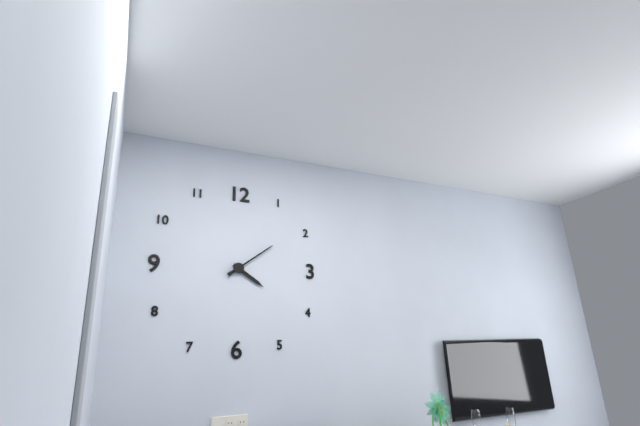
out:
4 h 09 min
